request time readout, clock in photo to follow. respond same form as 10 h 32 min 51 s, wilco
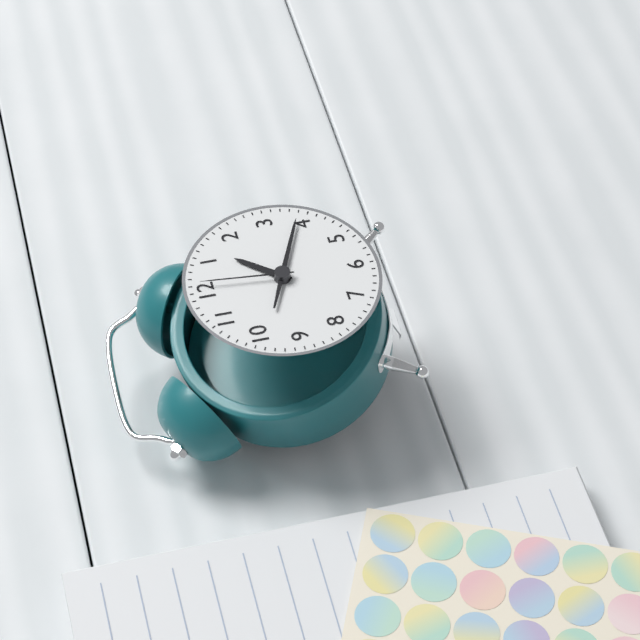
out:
1 h 19 min 01 s
